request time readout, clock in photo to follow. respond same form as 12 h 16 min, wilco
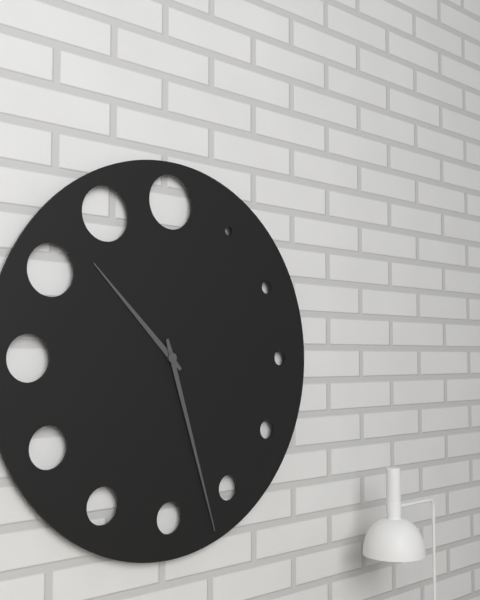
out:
10 h 27 min
